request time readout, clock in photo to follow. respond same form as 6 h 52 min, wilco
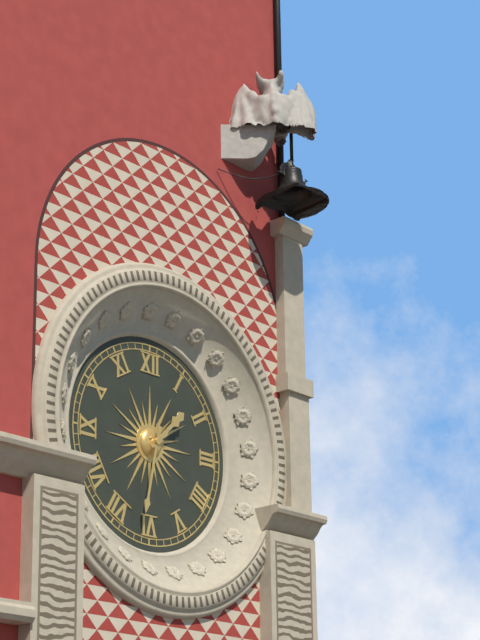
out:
1 h 32 min
